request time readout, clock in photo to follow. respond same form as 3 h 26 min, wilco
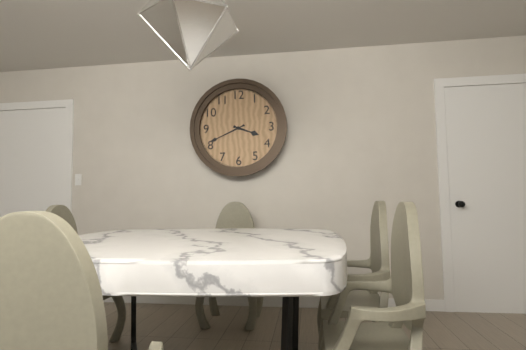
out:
3 h 41 min
